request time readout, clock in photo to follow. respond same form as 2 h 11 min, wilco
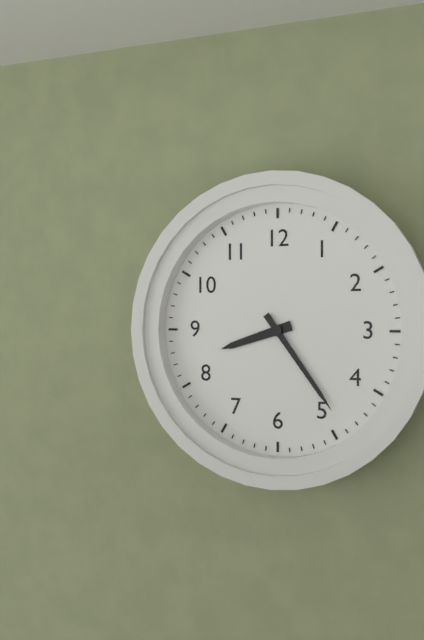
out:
8 h 24 min
